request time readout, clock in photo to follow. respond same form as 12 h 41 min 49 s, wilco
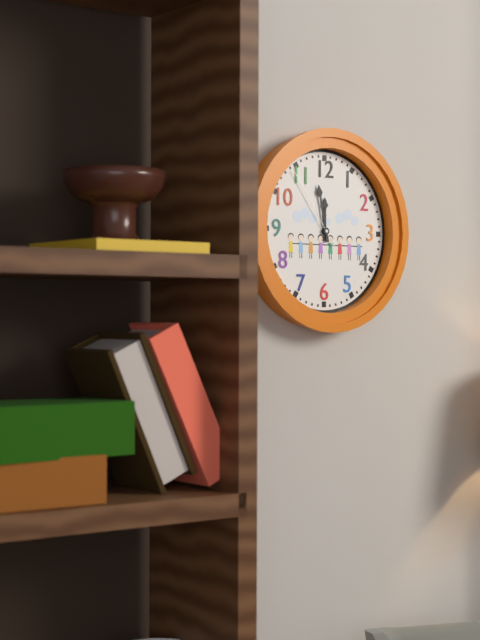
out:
11 h 58 min 54 s
